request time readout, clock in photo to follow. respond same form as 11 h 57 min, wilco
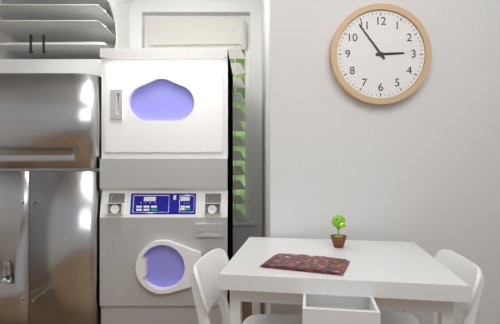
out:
2 h 54 min
